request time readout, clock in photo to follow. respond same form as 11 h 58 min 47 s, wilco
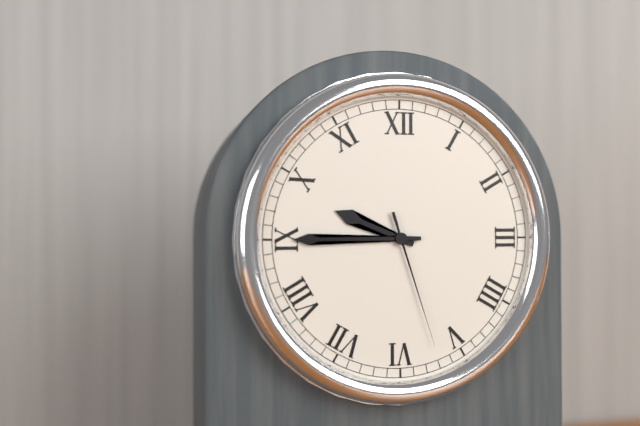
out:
9 h 45 min 27 s
